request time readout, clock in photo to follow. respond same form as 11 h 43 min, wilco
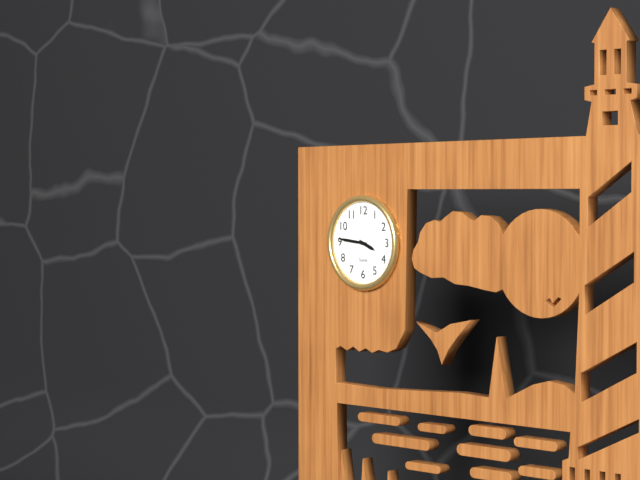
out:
3 h 46 min
